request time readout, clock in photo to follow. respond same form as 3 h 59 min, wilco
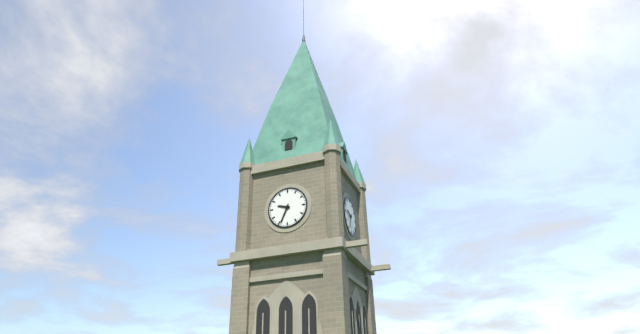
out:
9 h 34 min
